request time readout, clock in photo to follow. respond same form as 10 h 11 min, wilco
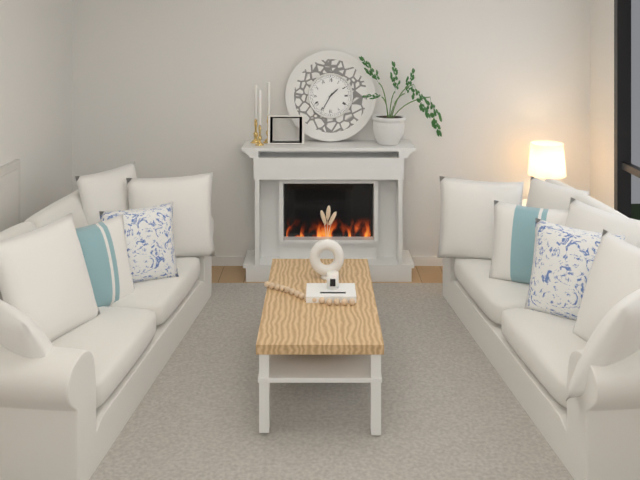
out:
1 h 35 min
